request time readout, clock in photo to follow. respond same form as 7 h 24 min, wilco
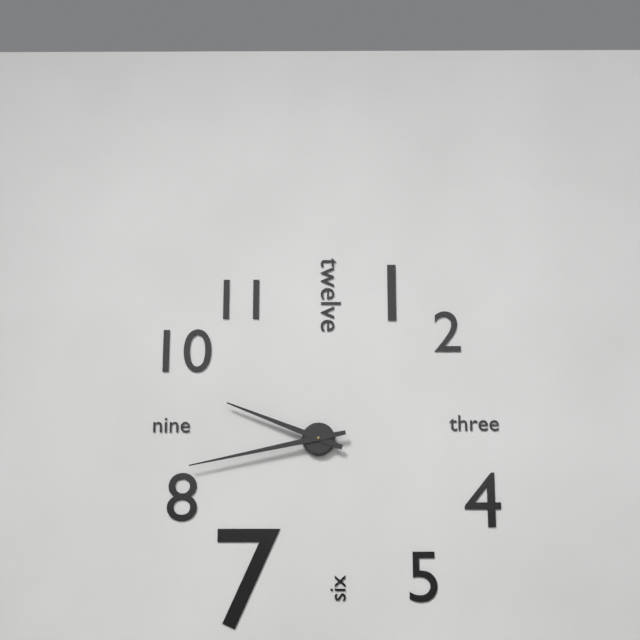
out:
9 h 43 min
